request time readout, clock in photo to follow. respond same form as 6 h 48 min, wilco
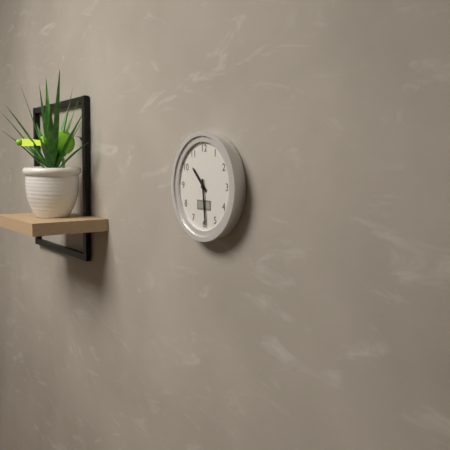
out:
10 h 29 min
